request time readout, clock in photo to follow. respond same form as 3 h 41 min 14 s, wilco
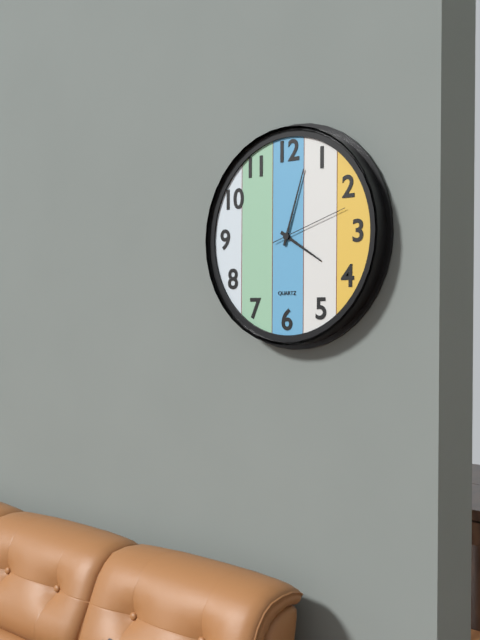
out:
4 h 03 min 12 s
